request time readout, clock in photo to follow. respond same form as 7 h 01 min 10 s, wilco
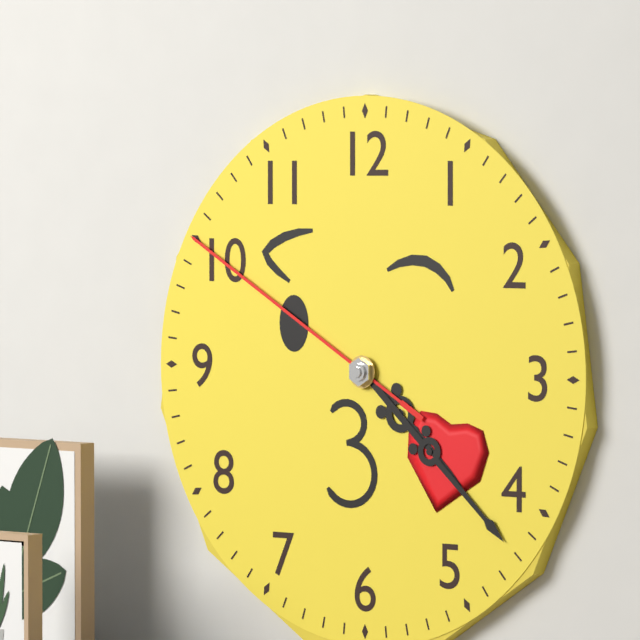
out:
4 h 22 min 50 s
